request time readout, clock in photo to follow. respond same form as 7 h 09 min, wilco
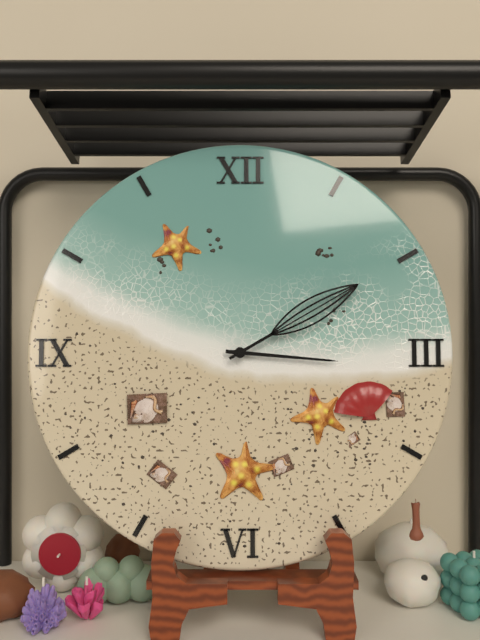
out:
3 h 10 min
